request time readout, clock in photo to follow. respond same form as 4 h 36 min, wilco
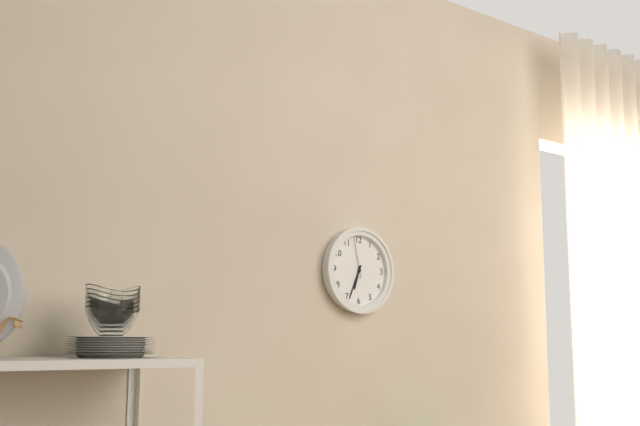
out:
6 h 34 min
